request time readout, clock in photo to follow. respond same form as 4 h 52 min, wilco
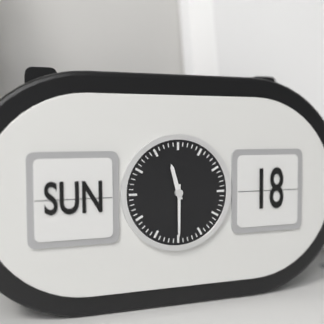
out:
11 h 30 min
